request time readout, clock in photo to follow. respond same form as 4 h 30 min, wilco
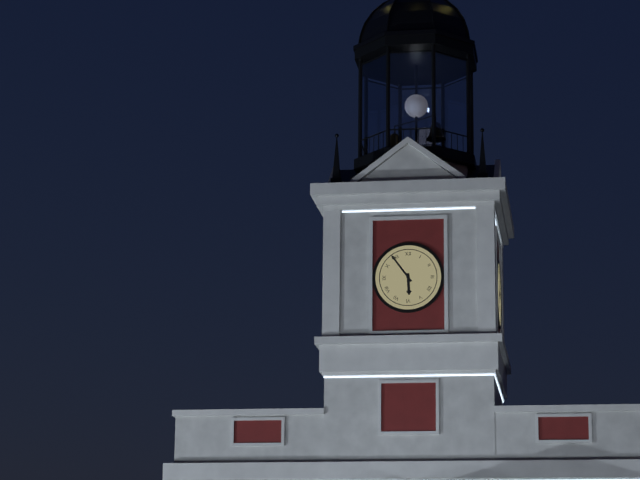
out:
5 h 54 min
